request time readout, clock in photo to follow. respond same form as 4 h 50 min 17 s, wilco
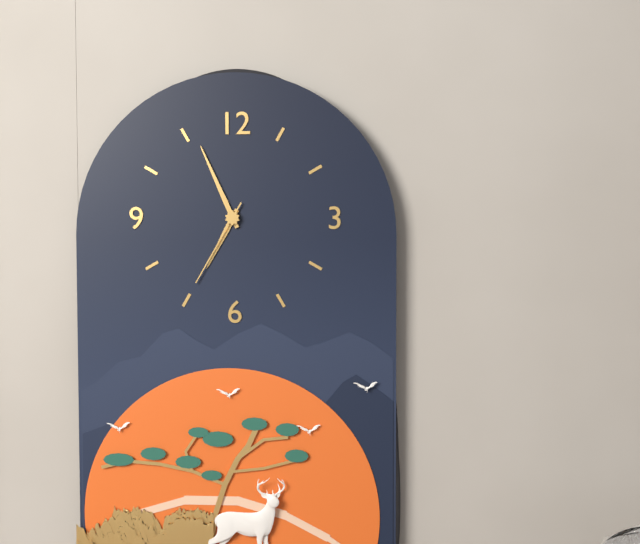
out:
6 h 56 min 35 s
